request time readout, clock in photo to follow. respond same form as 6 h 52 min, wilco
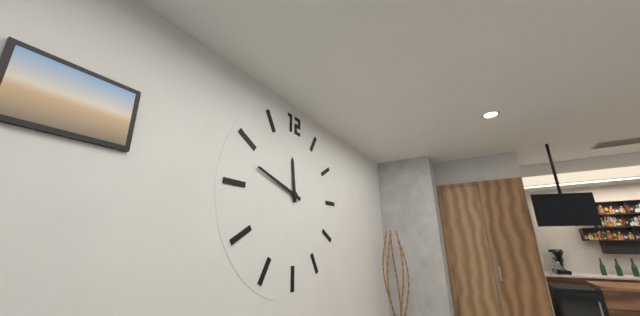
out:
11 h 48 min
